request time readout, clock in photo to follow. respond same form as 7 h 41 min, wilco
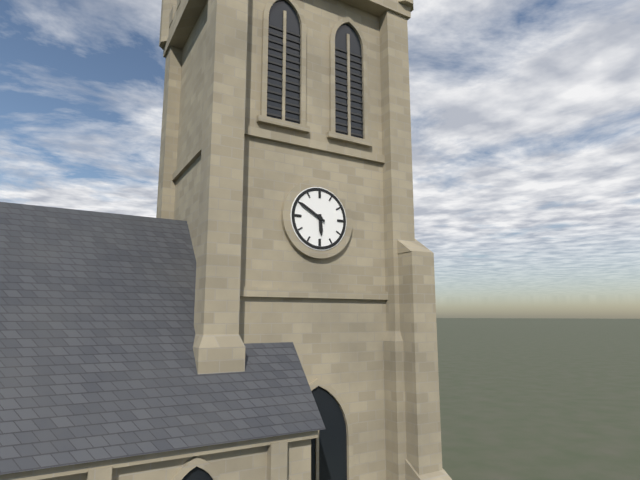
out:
5 h 50 min
